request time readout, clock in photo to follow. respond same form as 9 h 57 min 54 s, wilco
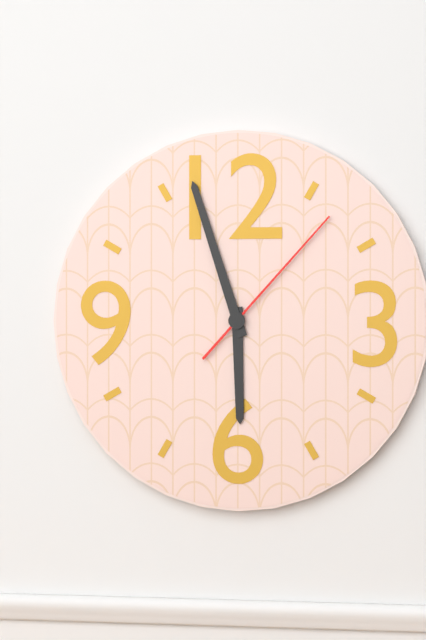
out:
5 h 57 min 07 s
